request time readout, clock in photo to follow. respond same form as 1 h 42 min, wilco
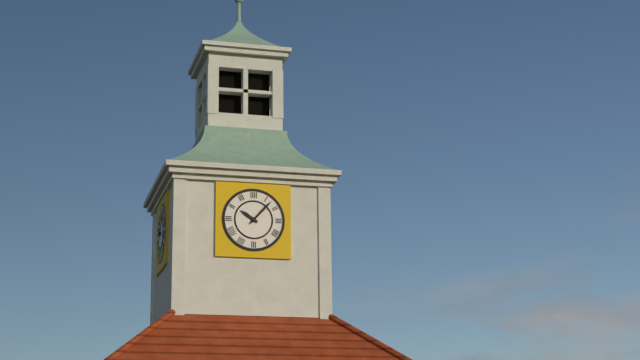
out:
10 h 07 min
